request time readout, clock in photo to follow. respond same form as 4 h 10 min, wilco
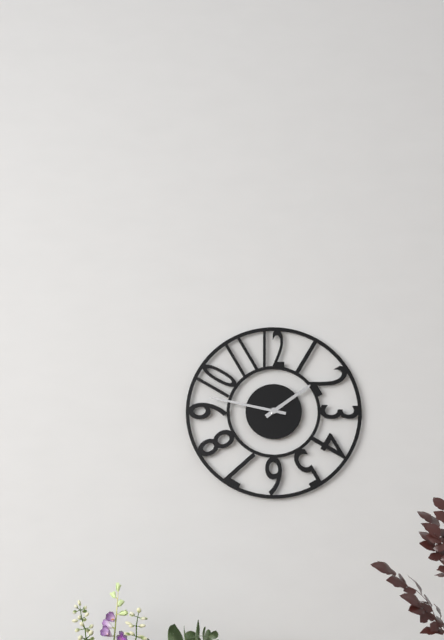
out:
1 h 47 min
